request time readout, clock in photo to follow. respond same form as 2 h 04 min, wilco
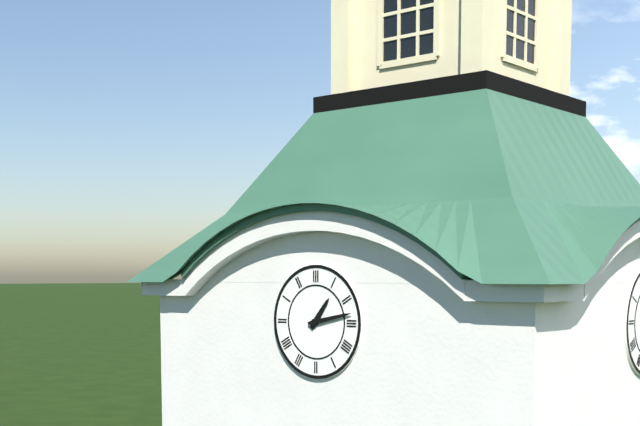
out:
1 h 13 min
